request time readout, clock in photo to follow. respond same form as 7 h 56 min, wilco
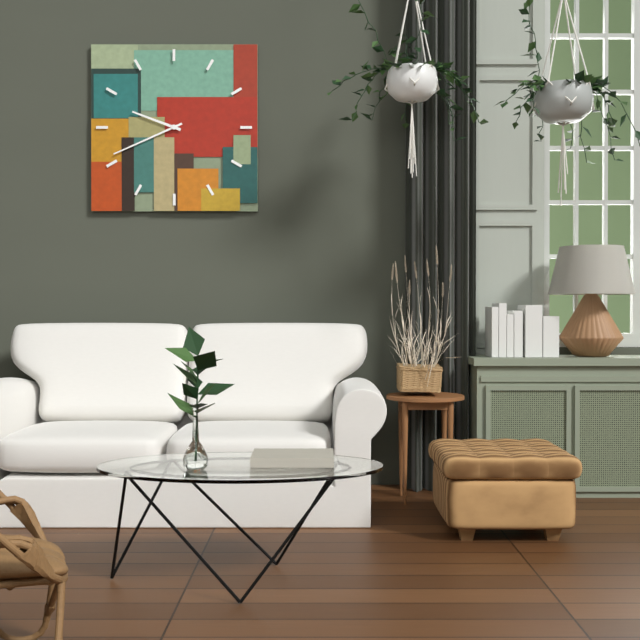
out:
9 h 41 min
